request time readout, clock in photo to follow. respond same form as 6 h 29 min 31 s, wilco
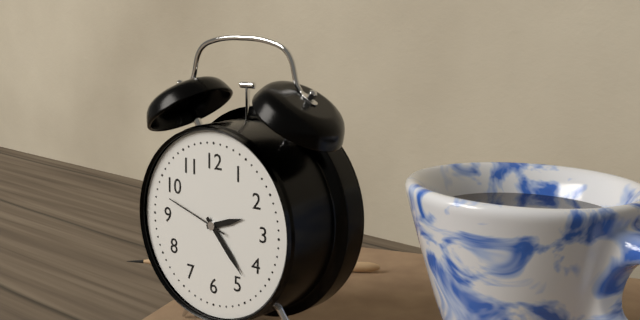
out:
2 h 23 min 48 s
